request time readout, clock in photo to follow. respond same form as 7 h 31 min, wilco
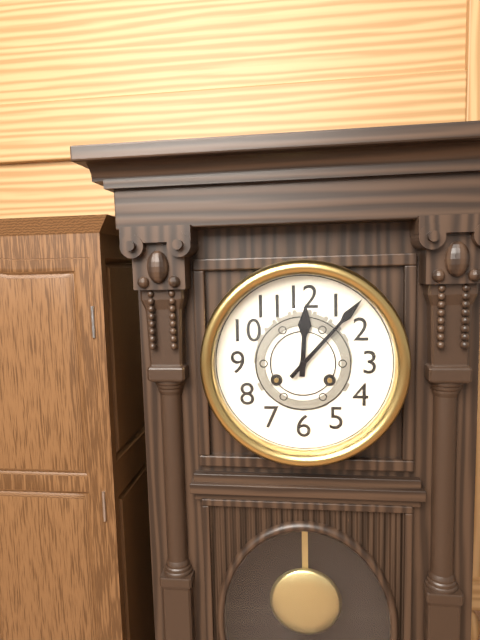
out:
12 h 07 min
